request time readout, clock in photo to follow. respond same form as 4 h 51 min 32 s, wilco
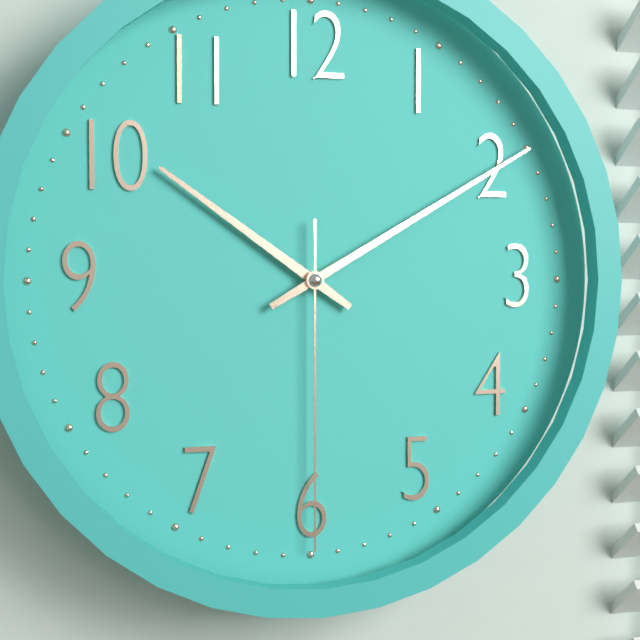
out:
10 h 10 min 30 s
